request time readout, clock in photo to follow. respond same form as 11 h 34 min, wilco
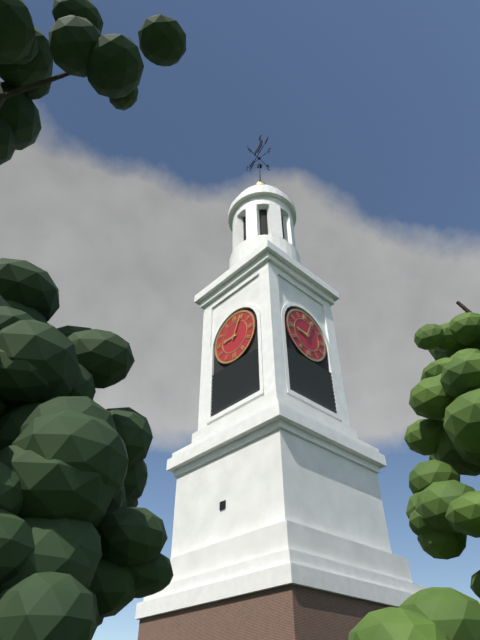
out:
9 h 04 min
